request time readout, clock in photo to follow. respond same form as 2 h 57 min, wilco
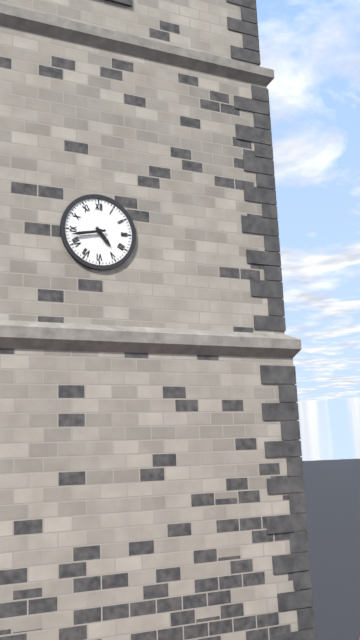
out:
4 h 43 min
